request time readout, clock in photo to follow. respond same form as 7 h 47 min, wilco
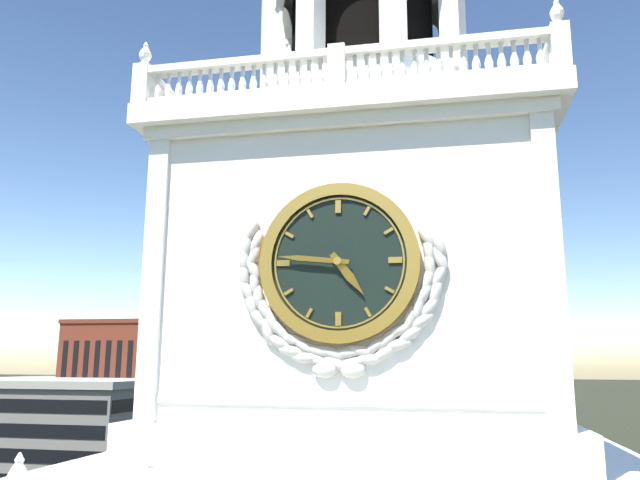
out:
4 h 46 min
